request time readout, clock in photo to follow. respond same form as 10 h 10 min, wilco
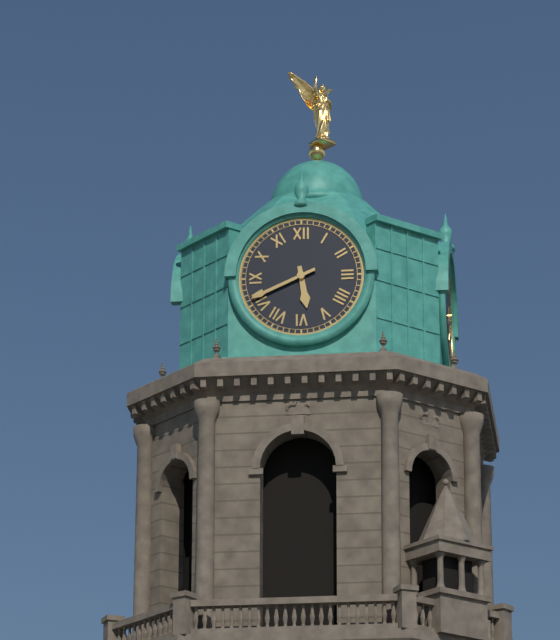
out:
5 h 41 min
